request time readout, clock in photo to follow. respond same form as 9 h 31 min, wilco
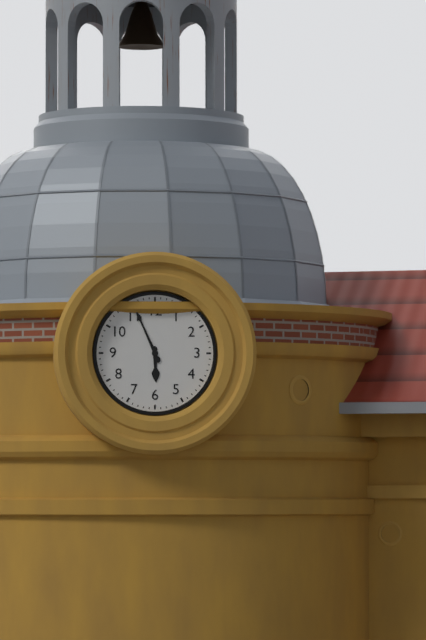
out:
5 h 56 min
